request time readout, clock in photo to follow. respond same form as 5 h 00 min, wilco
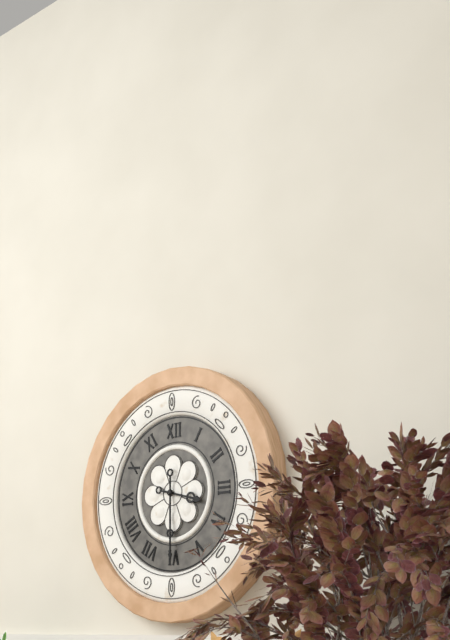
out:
3 h 30 min
